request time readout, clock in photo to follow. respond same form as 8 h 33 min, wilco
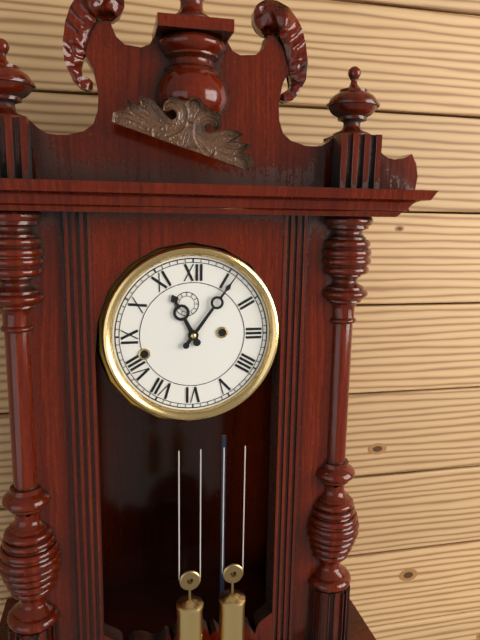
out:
11 h 06 min
